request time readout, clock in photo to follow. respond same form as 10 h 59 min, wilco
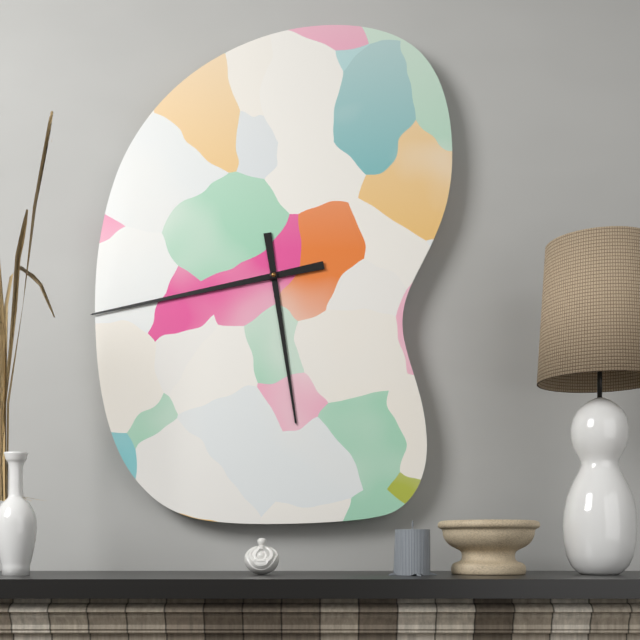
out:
5 h 43 min
